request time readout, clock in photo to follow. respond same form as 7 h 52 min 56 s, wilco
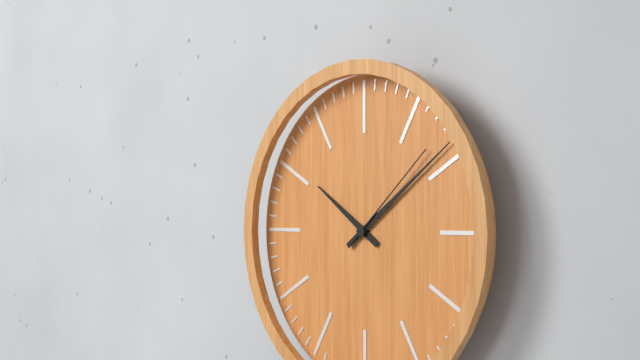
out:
10 h 09 min 08 s
